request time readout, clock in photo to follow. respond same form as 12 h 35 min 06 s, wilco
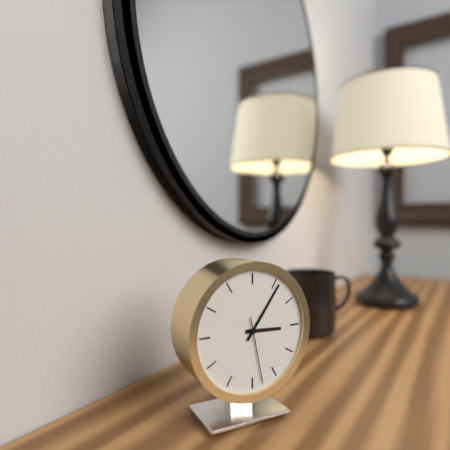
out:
3 h 06 min 28 s
